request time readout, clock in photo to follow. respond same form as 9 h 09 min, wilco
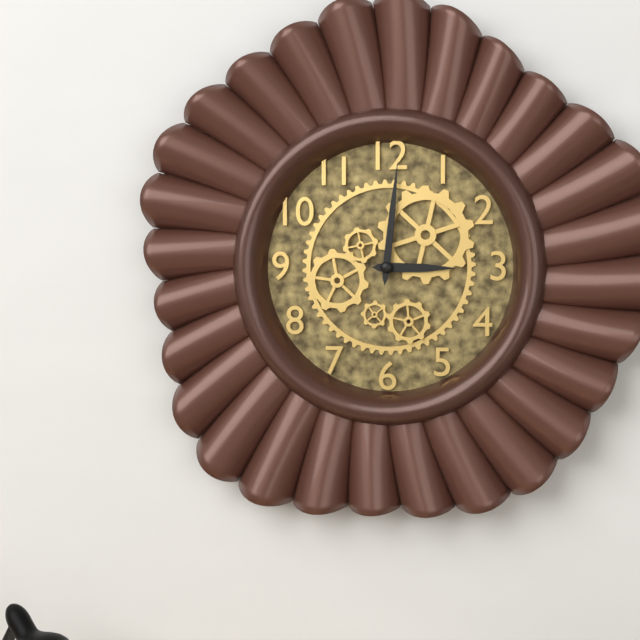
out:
3 h 01 min
